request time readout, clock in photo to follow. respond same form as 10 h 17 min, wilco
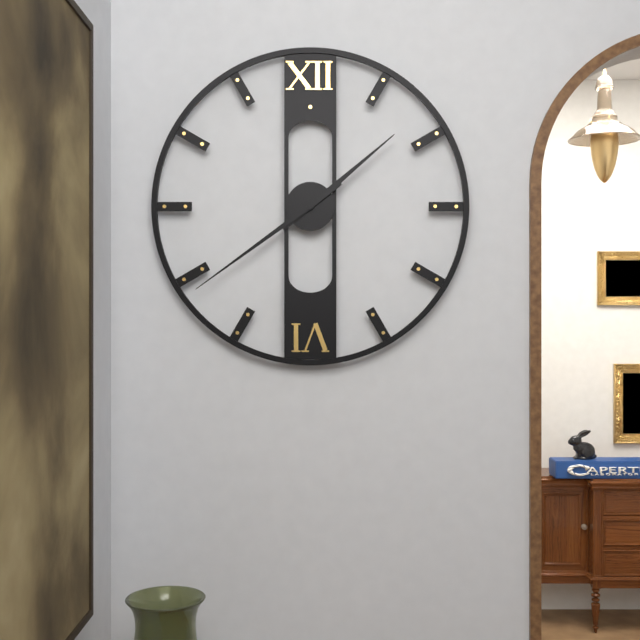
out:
1 h 39 min
